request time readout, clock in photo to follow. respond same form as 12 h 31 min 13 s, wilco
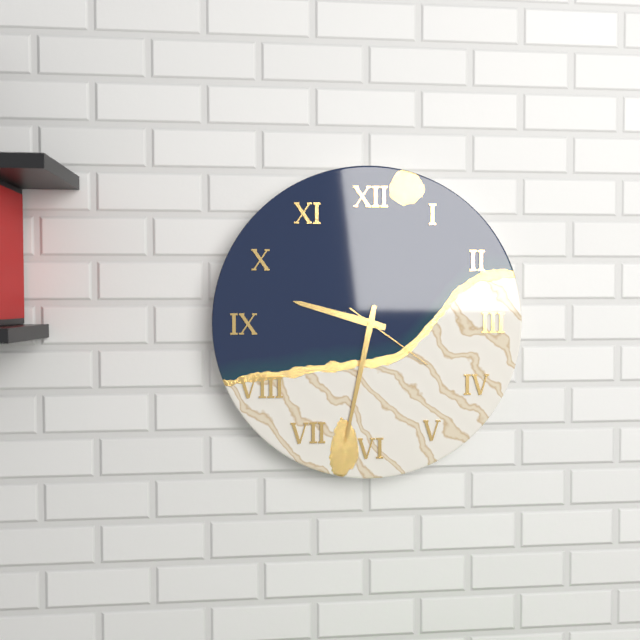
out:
9 h 32 min 21 s
